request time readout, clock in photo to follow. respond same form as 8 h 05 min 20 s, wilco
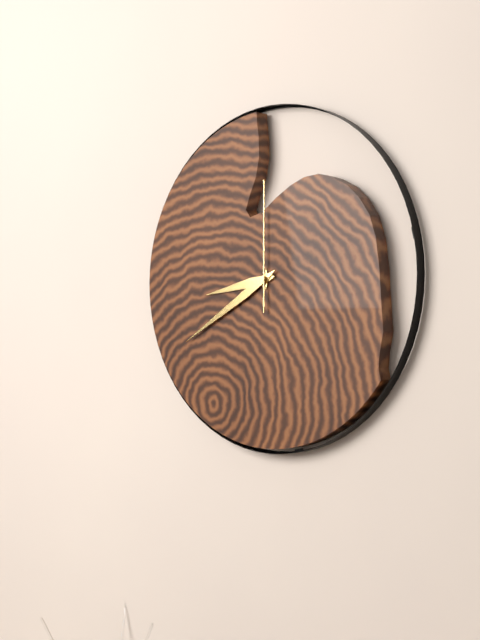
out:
8 h 40 min 00 s
